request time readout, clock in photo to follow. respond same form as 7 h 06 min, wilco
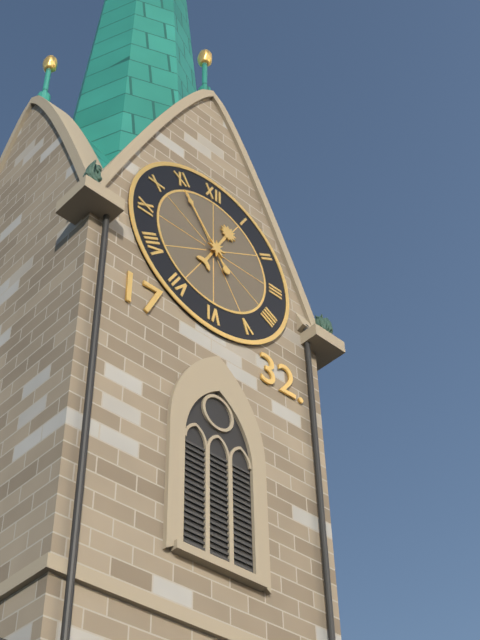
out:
12 h 54 min
